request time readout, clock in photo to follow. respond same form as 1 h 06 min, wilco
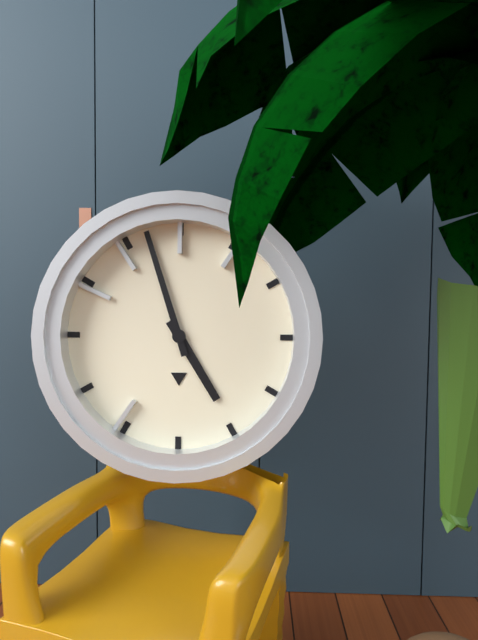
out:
4 h 57 min
